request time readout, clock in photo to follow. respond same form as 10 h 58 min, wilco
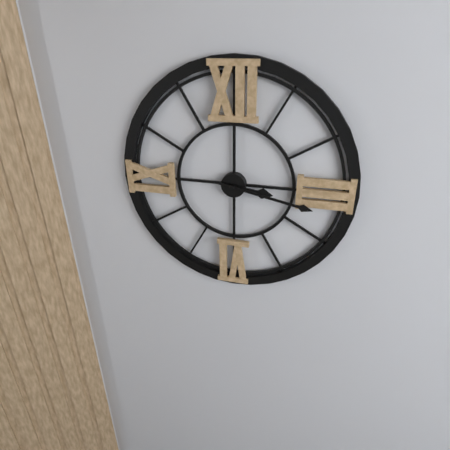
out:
3 h 17 min
